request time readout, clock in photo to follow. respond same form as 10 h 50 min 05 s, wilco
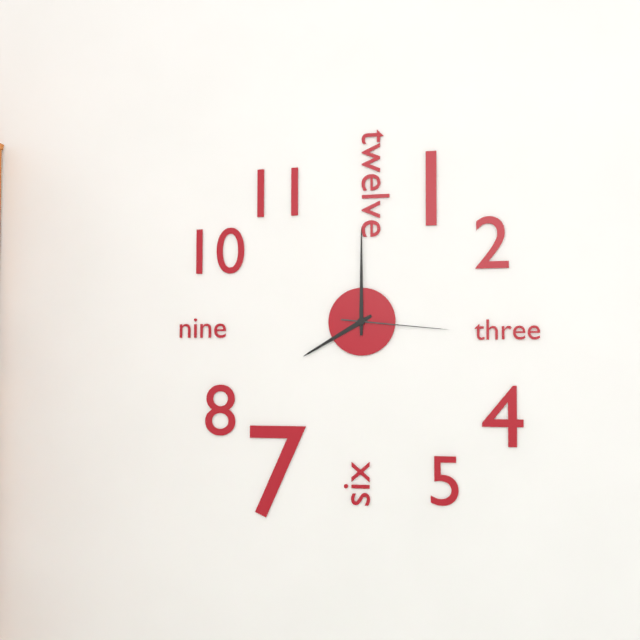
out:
8 h 00 min 16 s
